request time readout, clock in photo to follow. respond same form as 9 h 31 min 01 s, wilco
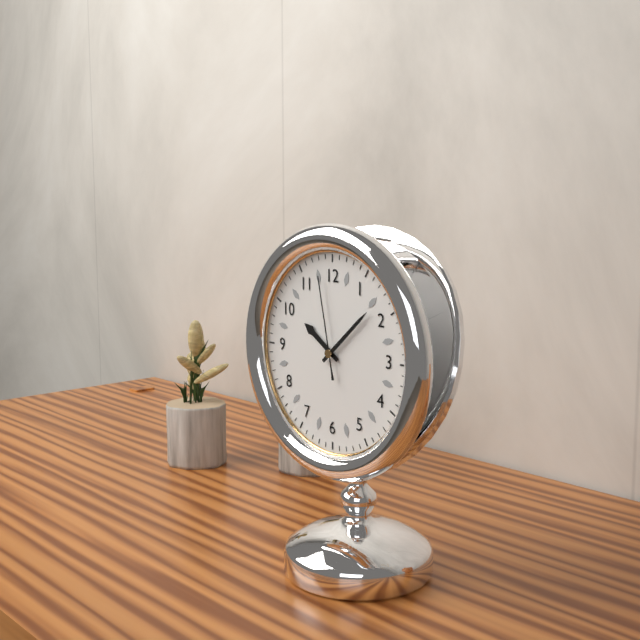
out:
10 h 08 min 58 s
